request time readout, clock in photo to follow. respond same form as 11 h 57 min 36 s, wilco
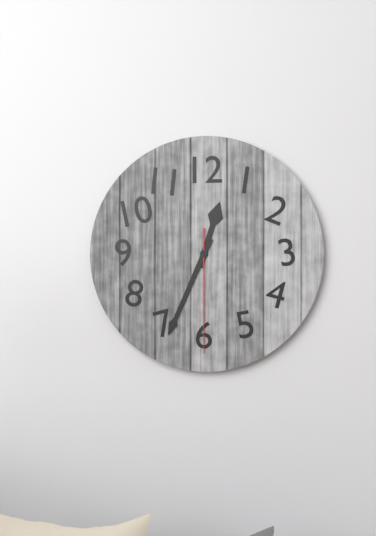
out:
12 h 34 min 30 s
